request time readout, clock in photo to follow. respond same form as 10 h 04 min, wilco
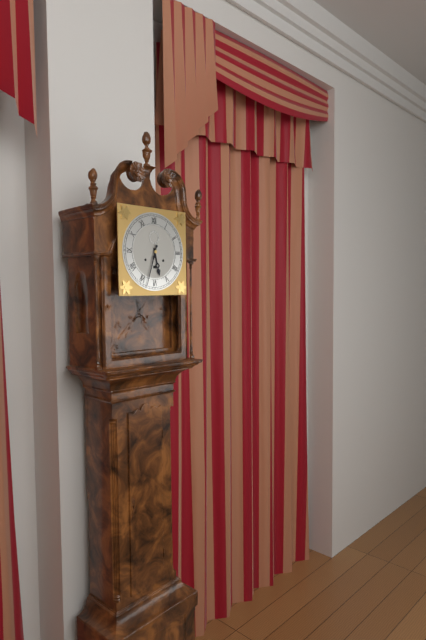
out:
5 h 33 min
